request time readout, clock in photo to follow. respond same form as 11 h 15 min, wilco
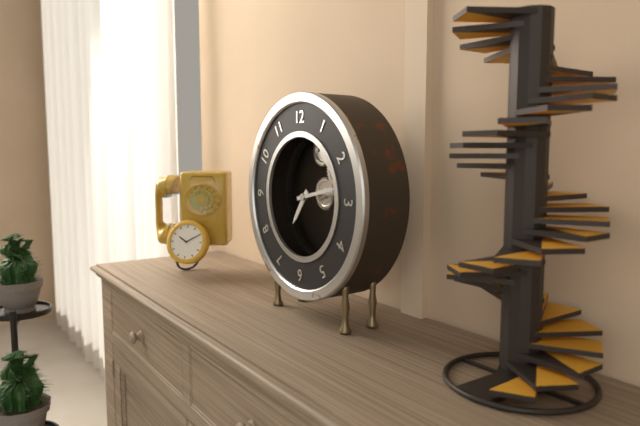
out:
7 h 13 min
